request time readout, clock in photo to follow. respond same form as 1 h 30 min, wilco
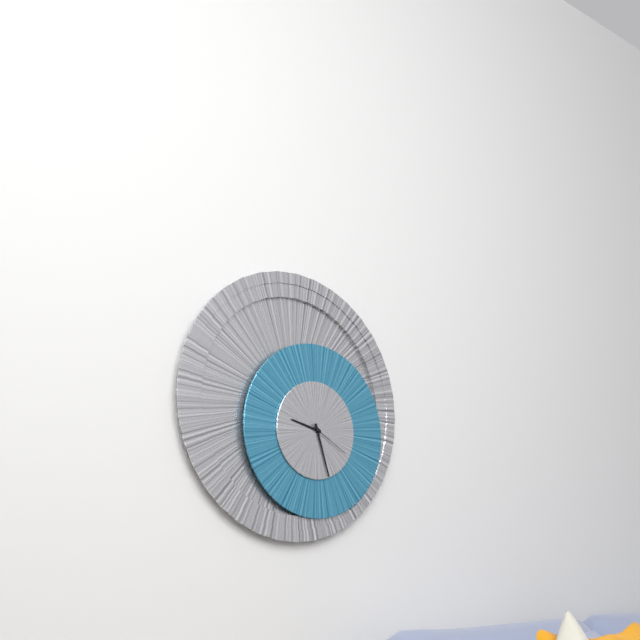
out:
9 h 27 min
